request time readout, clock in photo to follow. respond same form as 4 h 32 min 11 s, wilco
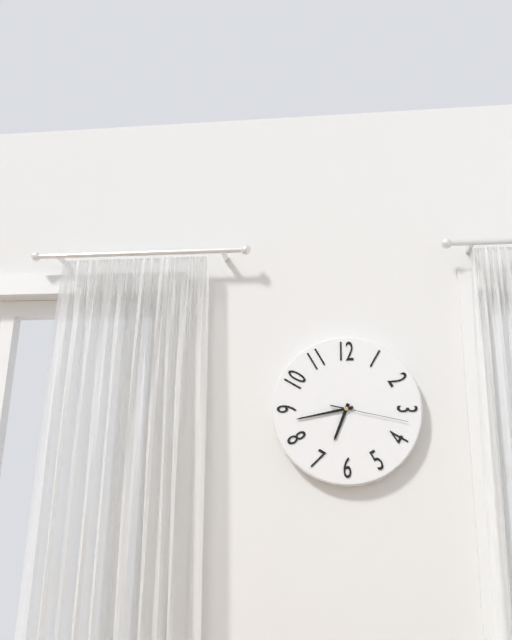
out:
6 h 43 min 17 s
